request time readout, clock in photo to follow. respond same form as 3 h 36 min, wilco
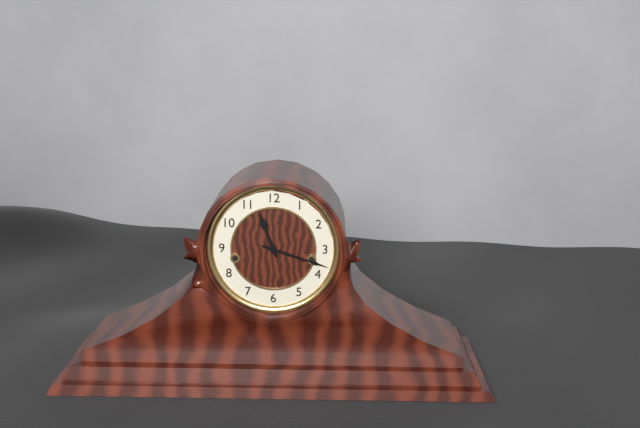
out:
11 h 18 min
